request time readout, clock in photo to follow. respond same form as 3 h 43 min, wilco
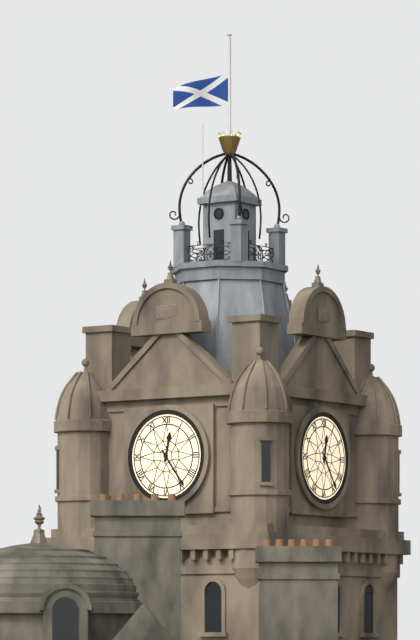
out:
12 h 24 min
